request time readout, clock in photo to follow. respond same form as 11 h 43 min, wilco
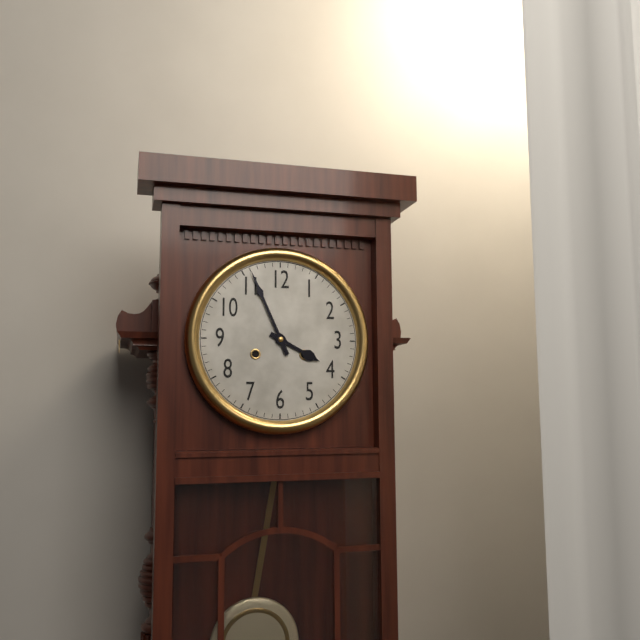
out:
3 h 56 min
